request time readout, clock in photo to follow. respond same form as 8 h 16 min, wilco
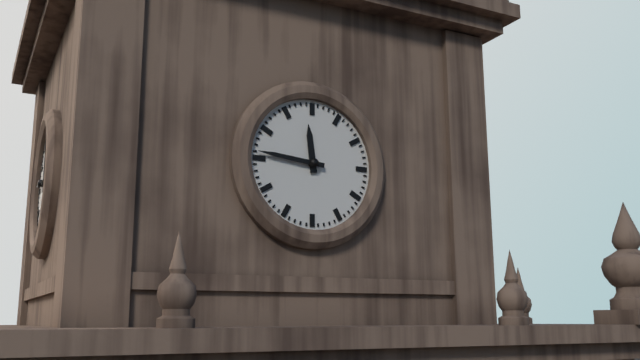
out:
11 h 46 min
